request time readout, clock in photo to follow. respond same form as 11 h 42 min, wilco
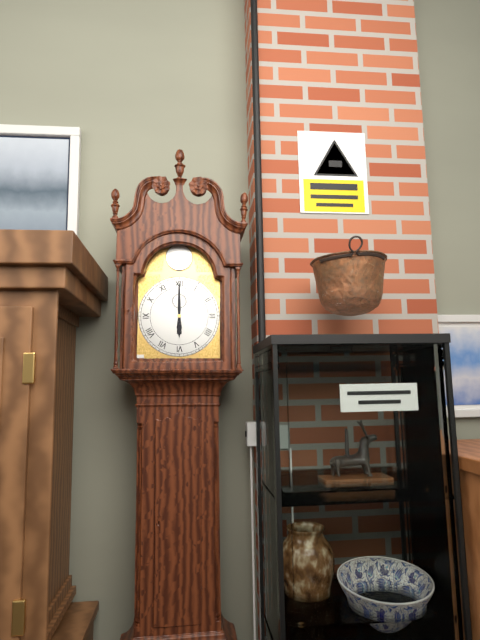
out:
6 h 00 min
